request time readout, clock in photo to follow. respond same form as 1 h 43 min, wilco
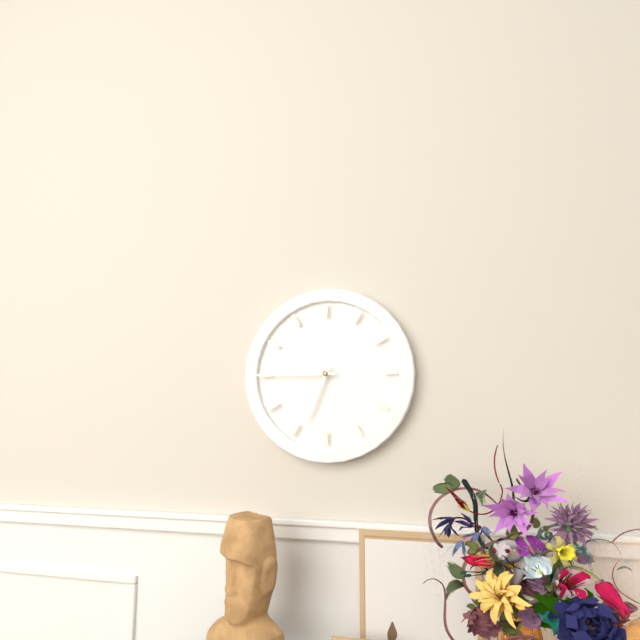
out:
6 h 45 min
